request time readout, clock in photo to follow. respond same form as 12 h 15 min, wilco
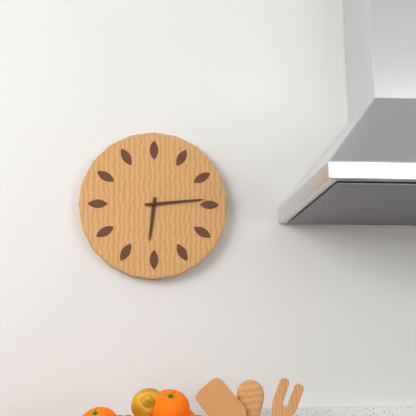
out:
6 h 14 min
